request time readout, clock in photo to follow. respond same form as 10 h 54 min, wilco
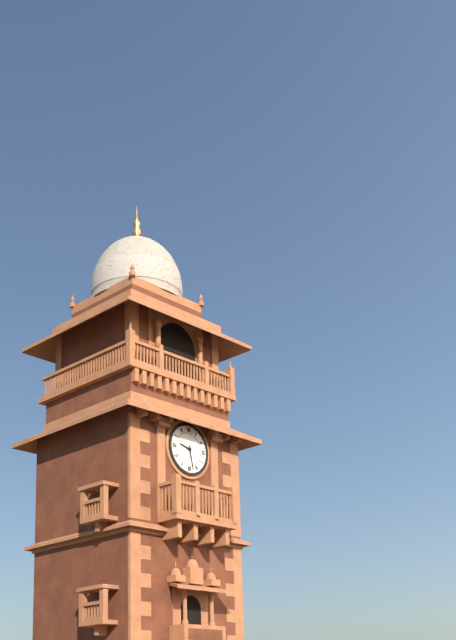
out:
9 h 28 min
